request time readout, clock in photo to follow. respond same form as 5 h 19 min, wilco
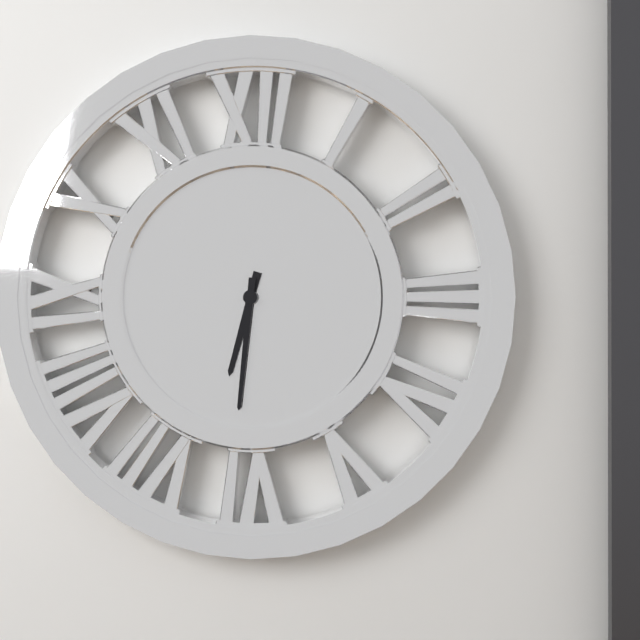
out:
6 h 31 min
